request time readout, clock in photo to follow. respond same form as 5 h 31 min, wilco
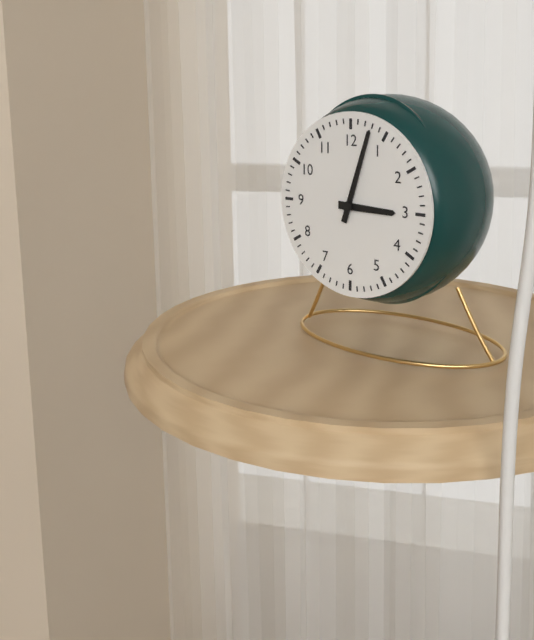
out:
3 h 03 min
